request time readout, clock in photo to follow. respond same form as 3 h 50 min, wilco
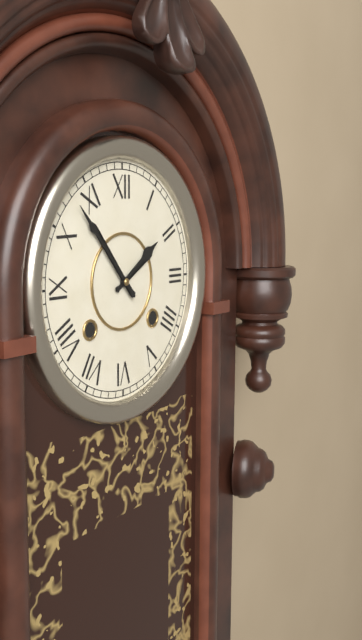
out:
1 h 53 min
